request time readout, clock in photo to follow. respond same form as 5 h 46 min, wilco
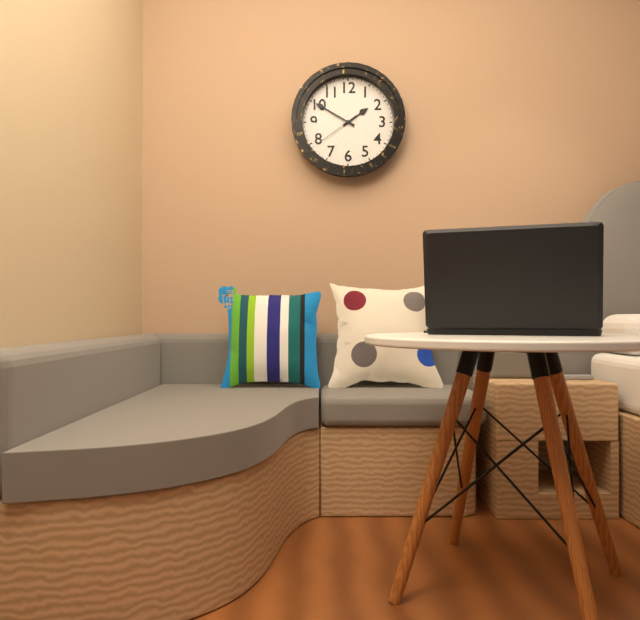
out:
1 h 50 min
